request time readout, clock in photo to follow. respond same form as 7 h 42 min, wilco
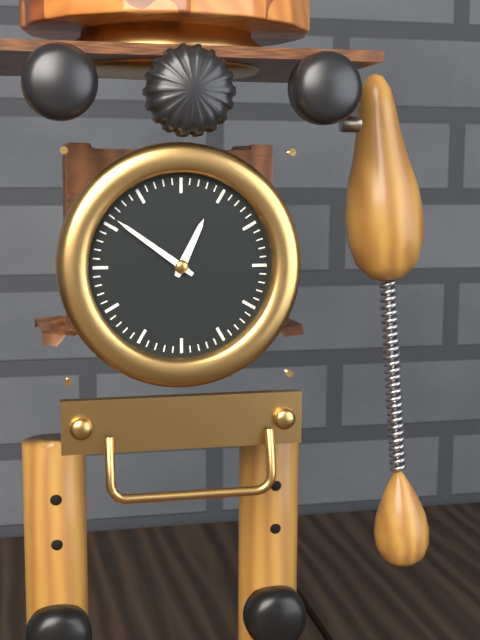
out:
12 h 51 min
